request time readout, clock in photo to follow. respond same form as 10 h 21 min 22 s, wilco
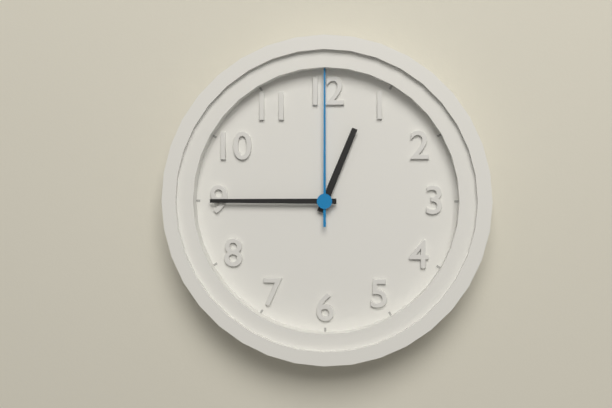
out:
12 h 45 min 00 s
